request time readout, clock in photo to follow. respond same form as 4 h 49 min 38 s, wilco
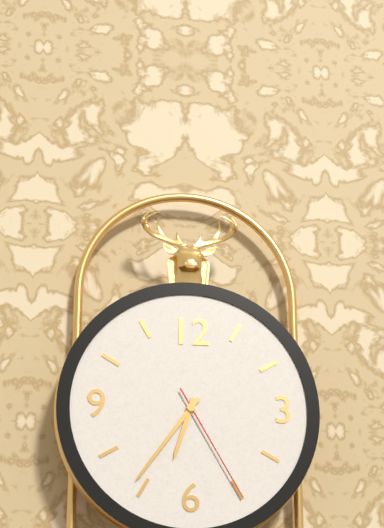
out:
6 h 36 min 25 s
